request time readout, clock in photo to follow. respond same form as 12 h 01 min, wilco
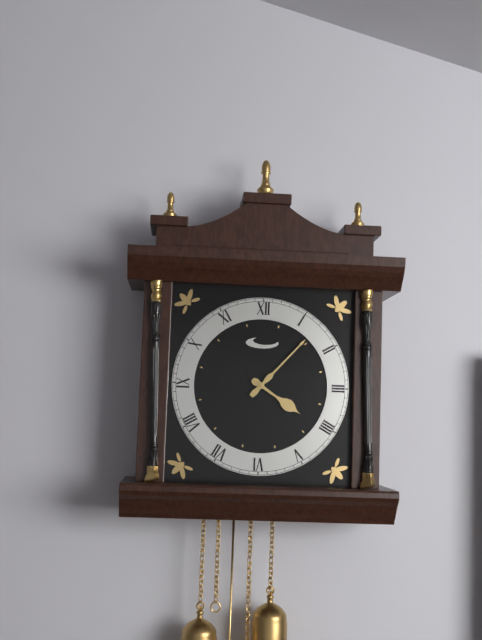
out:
4 h 07 min
